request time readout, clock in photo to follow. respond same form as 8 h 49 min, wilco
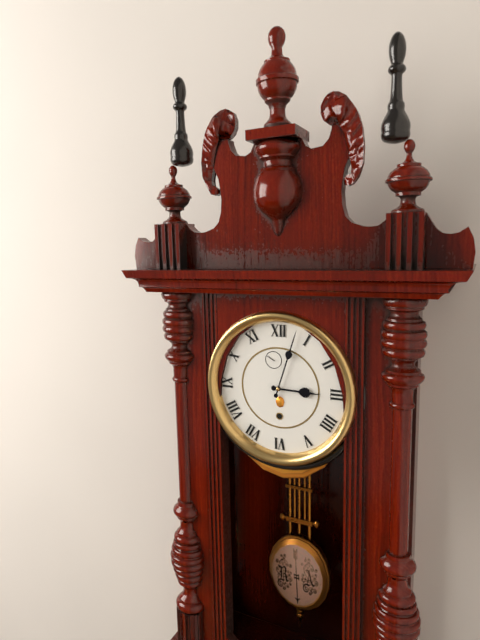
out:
3 h 03 min
